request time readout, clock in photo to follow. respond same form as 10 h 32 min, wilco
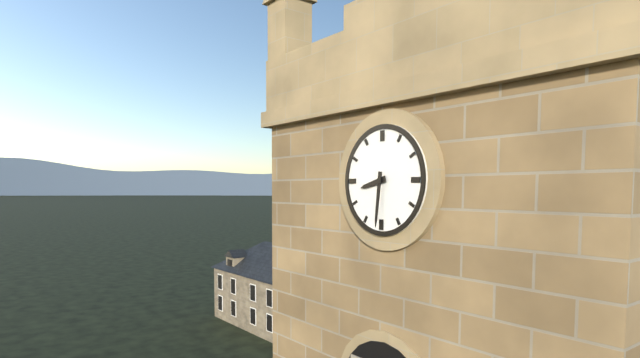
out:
8 h 31 min
